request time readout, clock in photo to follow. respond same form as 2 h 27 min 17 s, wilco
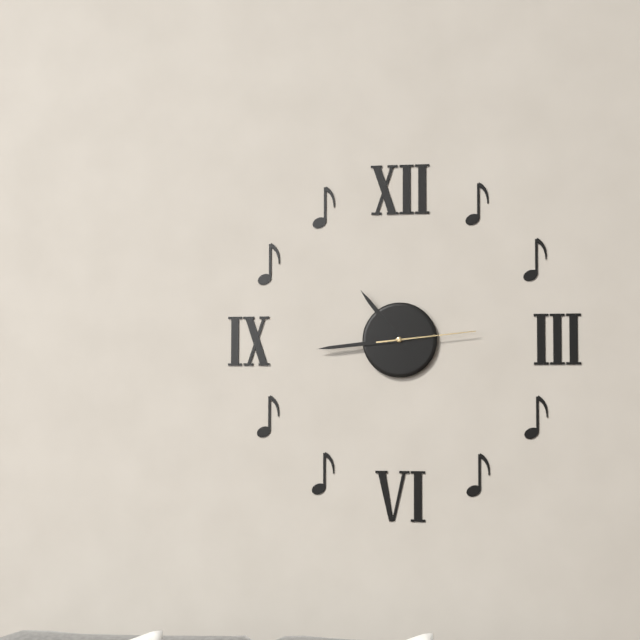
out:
10 h 44 min 14 s
